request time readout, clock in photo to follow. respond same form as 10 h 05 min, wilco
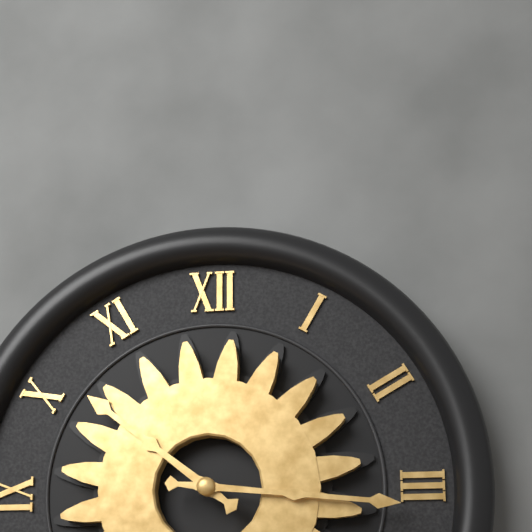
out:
10 h 16 min
